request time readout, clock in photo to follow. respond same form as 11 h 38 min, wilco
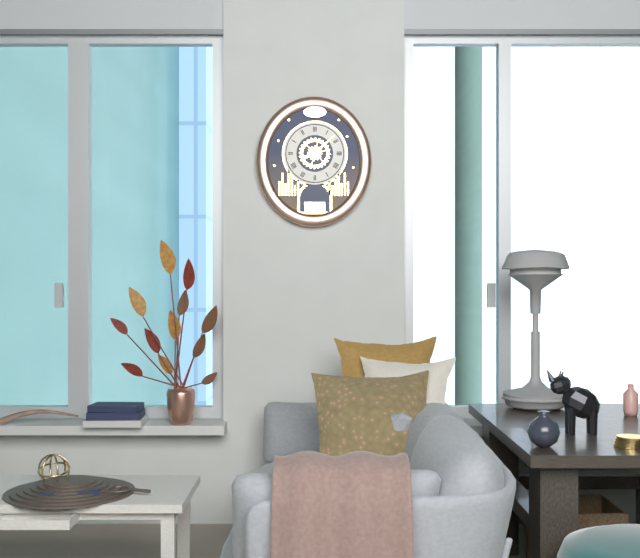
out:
8 h 08 min
